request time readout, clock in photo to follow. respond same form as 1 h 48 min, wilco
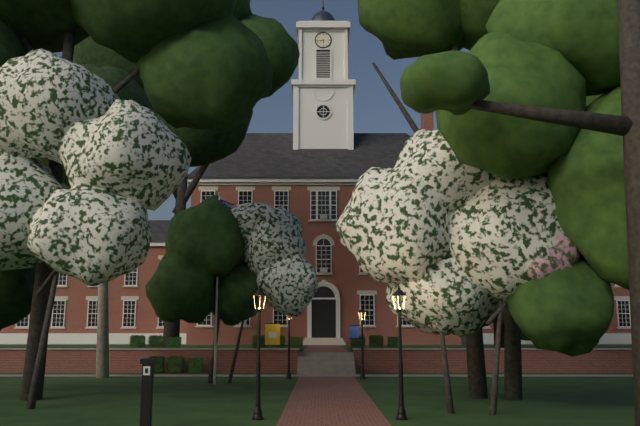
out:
5 h 43 min
